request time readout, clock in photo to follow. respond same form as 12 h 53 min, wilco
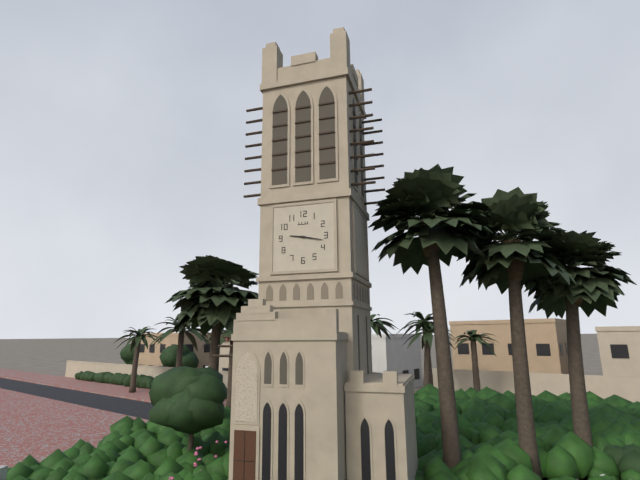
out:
9 h 17 min
